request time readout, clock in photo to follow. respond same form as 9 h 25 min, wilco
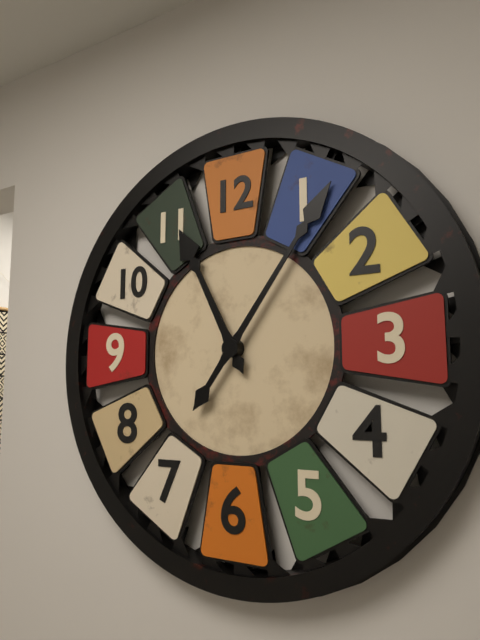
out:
11 h 06 min
